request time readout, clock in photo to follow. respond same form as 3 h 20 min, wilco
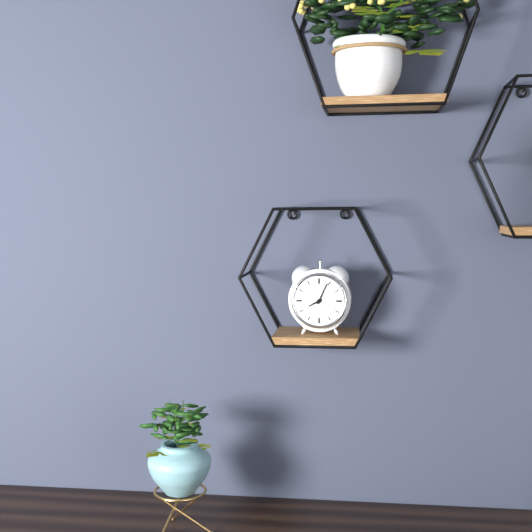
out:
8 h 04 min
